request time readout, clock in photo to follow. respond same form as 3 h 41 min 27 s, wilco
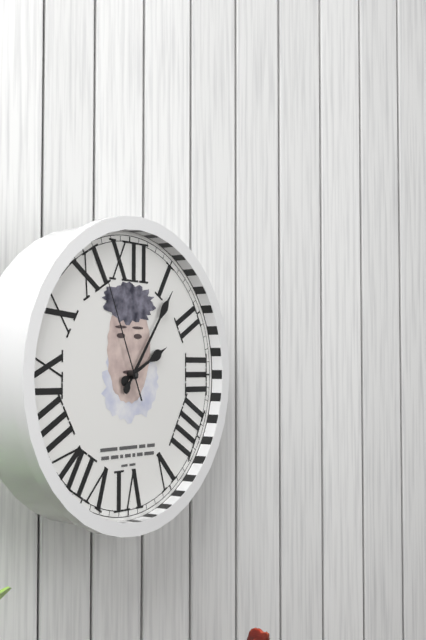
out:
2 h 06 min 56 s
